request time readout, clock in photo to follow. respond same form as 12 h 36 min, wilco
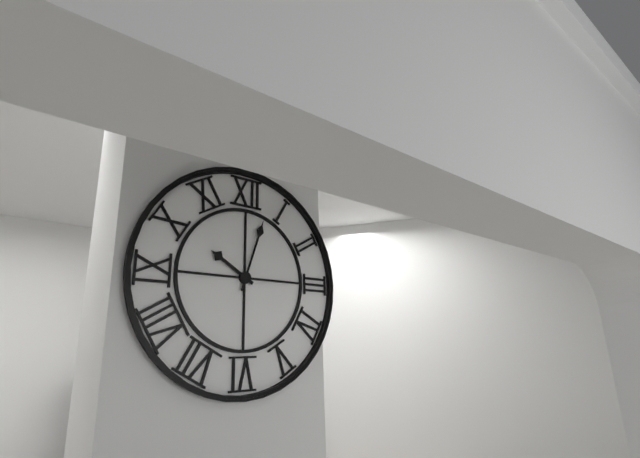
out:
10 h 03 min
